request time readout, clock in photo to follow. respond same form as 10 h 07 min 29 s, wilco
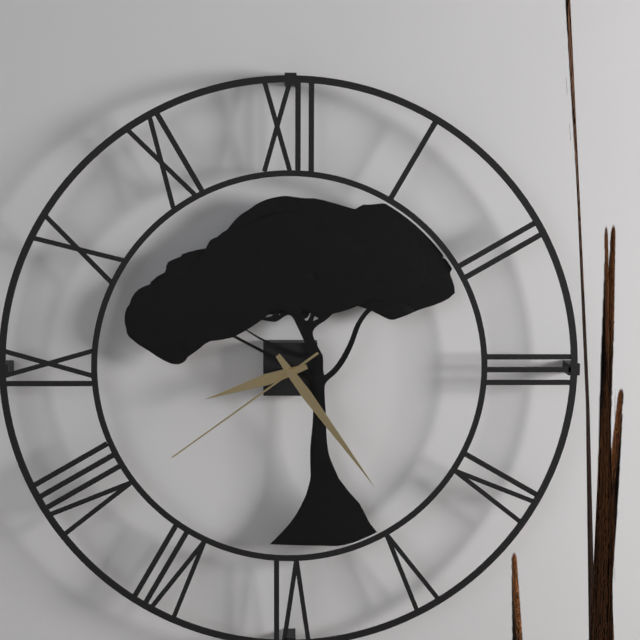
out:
8 h 24 min 39 s
